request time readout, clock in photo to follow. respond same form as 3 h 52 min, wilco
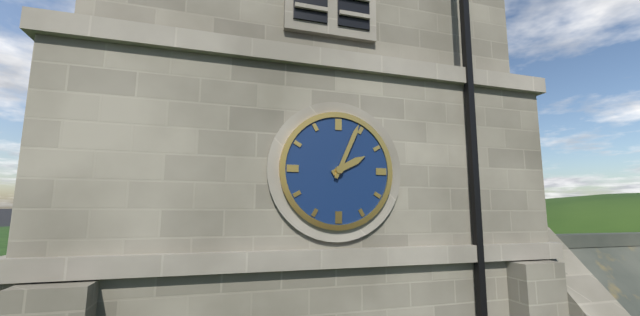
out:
2 h 04 min
